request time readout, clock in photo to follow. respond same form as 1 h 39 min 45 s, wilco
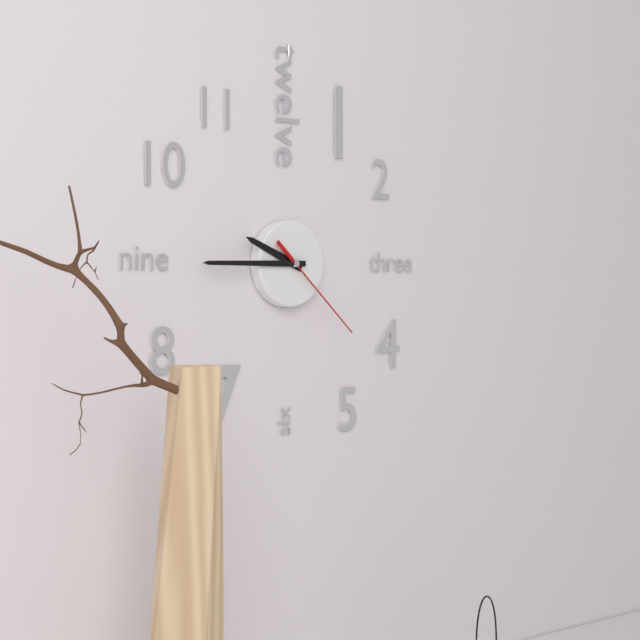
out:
9 h 45 min 22 s
